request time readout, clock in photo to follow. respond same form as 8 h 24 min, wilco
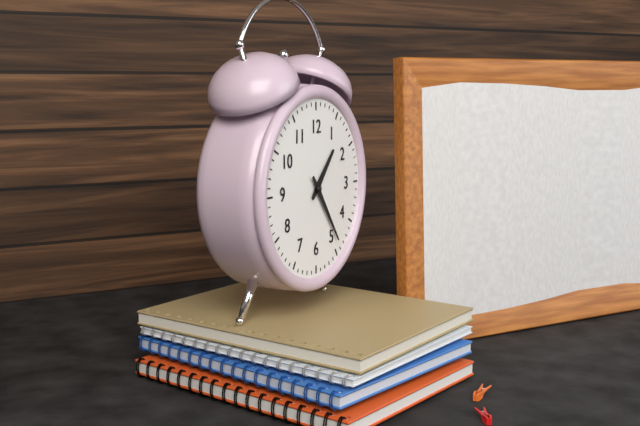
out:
1 h 24 min
